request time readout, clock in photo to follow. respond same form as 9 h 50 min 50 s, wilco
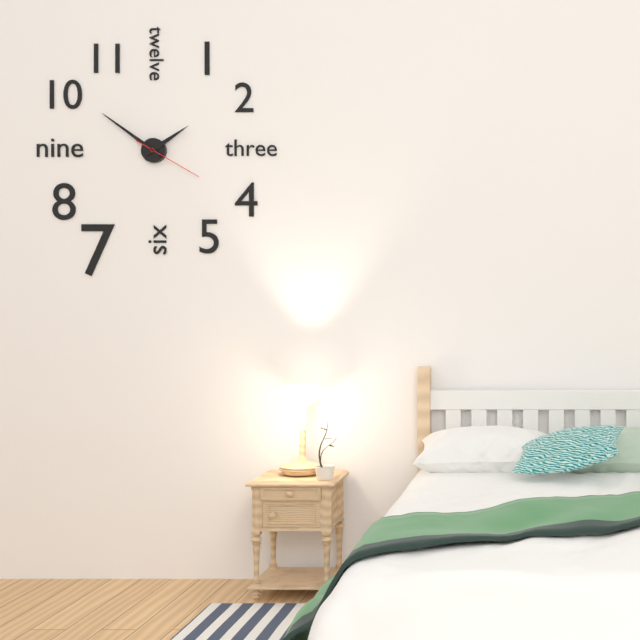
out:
1 h 51 min 20 s
